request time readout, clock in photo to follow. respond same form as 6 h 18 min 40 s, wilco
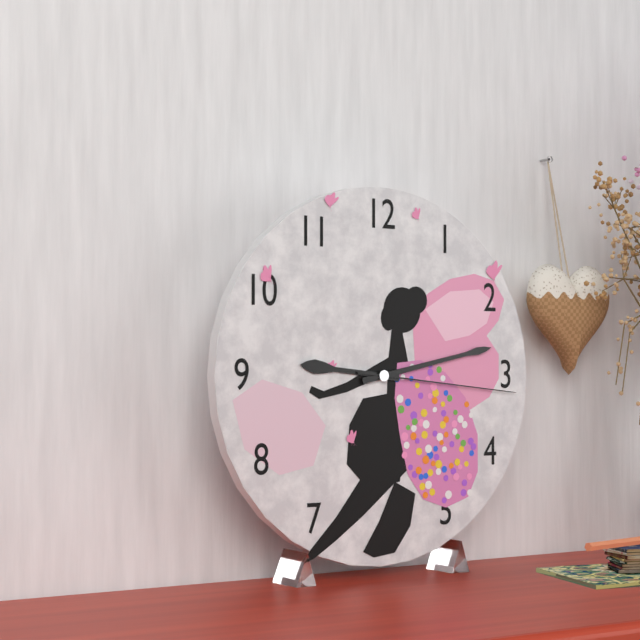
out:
9 h 13 min 16 s
